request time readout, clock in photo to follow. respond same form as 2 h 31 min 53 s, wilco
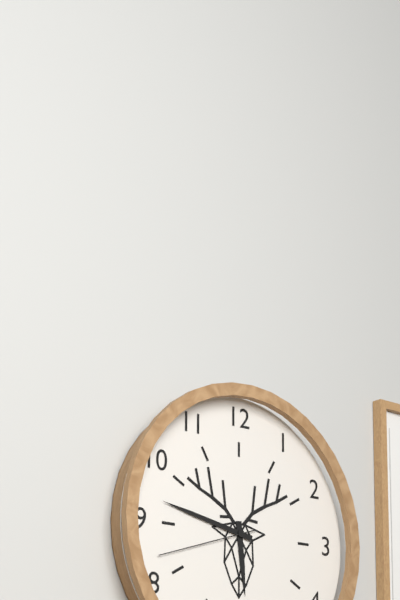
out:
5 h 47 min 42 s
